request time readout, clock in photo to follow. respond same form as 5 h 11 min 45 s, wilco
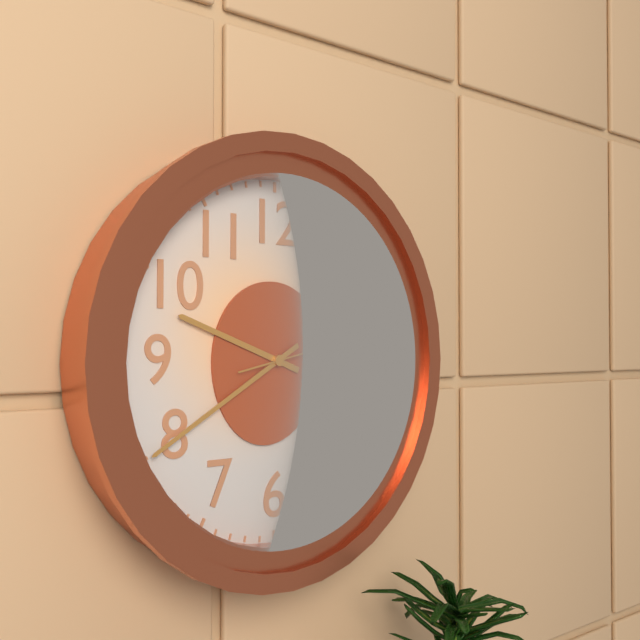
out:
9 h 40 min 13 s
